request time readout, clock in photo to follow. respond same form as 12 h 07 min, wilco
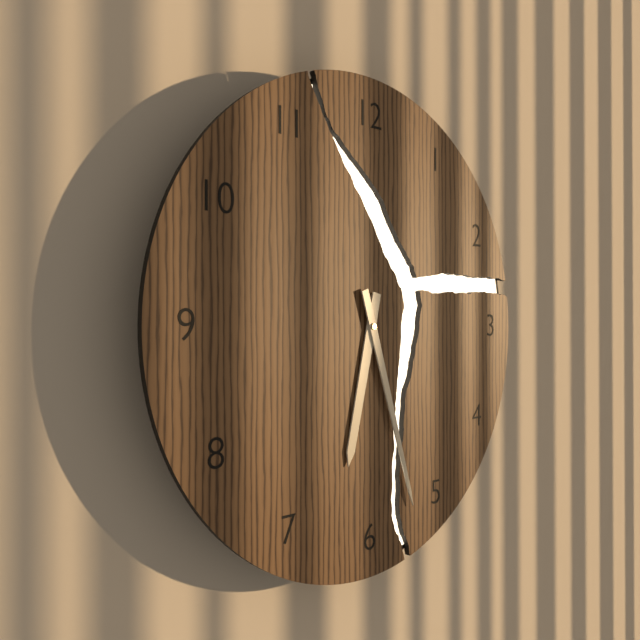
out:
6 h 27 min
